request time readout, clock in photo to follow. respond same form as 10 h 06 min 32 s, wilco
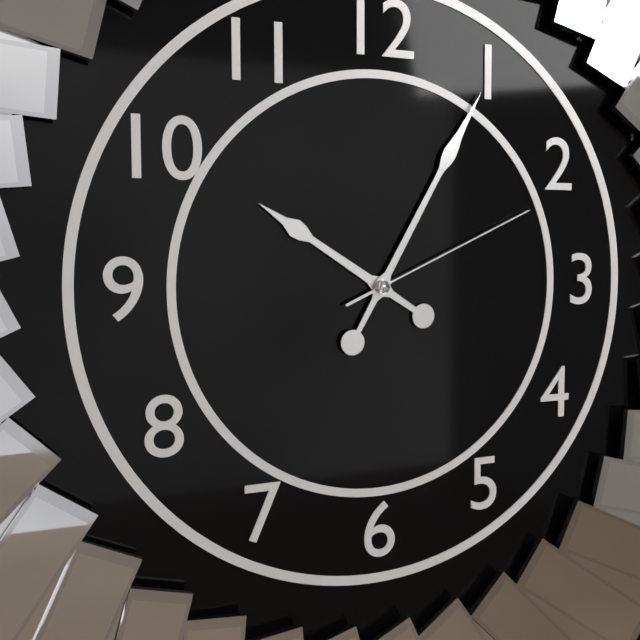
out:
10 h 05 min 11 s
